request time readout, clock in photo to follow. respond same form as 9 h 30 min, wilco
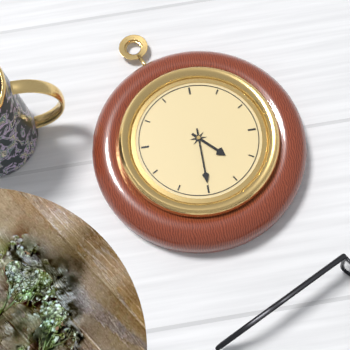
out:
4 h 30 min
